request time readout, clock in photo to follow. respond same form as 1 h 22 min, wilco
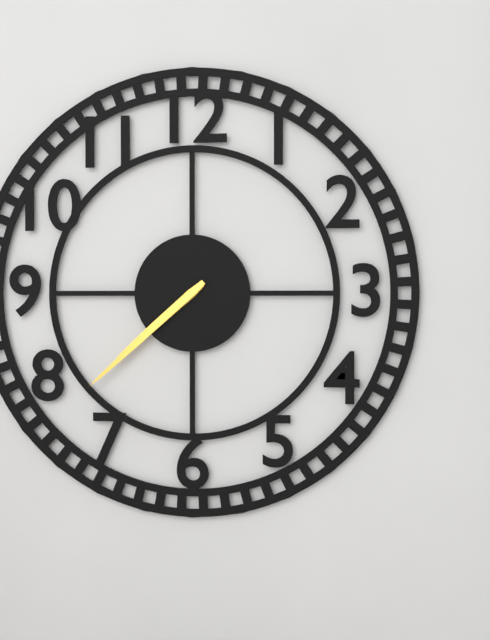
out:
7 h 38 min
